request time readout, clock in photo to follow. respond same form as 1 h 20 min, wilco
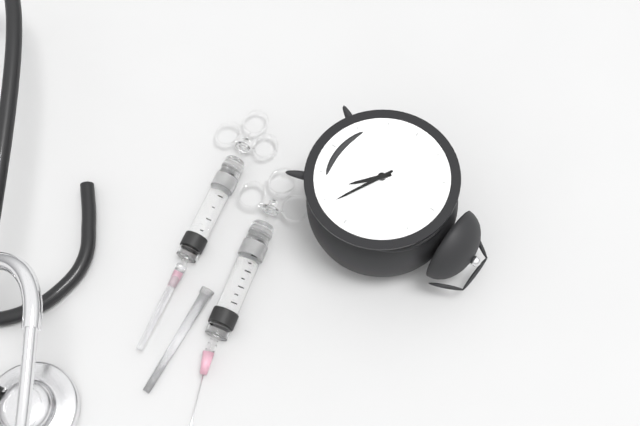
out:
4 h 19 min
